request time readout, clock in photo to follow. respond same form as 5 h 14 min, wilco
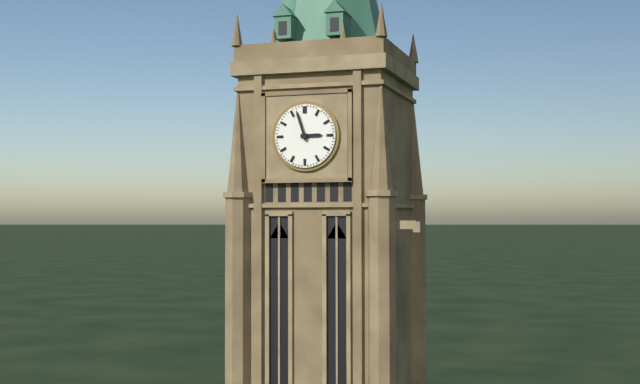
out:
2 h 57 min
